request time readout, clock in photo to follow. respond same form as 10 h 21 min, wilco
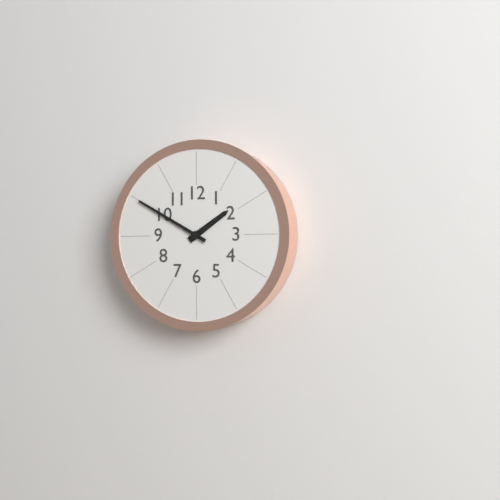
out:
1 h 50 min
